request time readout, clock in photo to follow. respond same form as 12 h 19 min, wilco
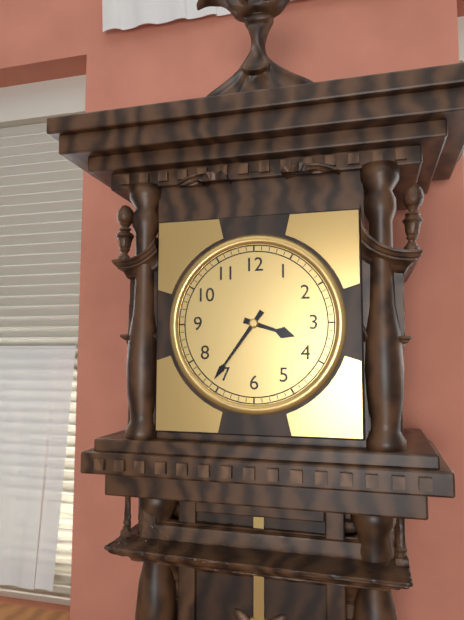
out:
3 h 36 min
